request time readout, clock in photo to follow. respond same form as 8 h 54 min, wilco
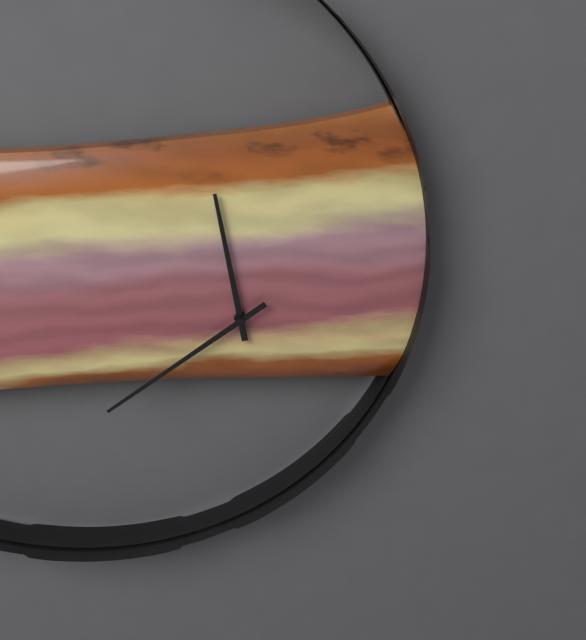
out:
11 h 39 min
